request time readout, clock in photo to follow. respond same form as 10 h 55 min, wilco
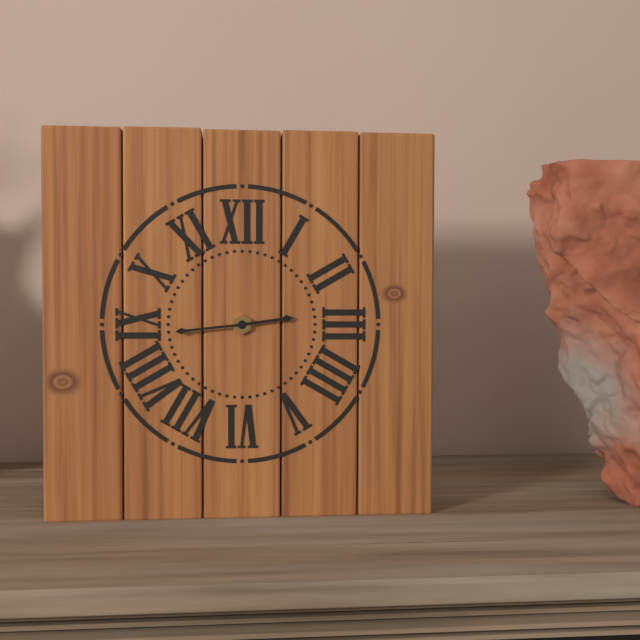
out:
2 h 44 min
